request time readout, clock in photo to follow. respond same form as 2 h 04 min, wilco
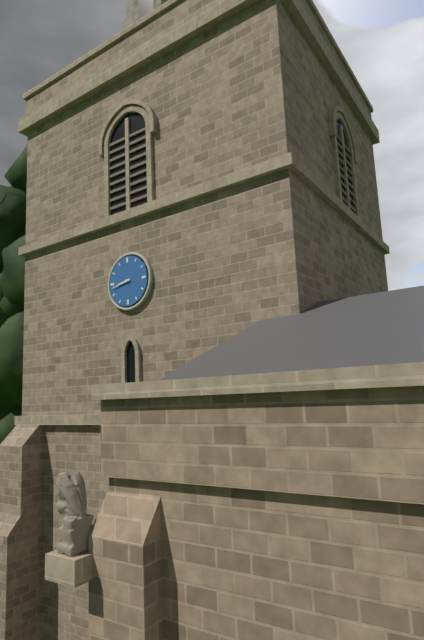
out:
8 h 43 min
